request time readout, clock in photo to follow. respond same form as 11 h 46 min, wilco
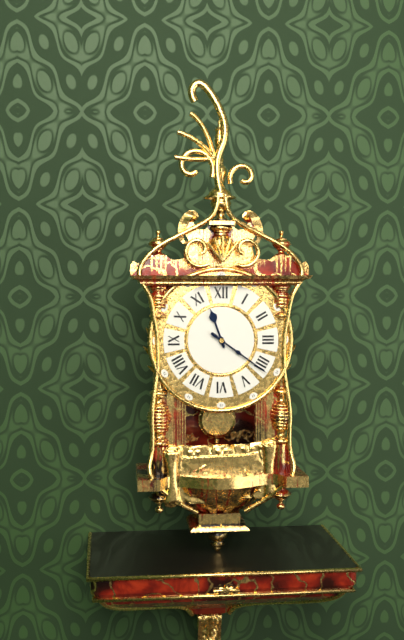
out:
11 h 21 min
